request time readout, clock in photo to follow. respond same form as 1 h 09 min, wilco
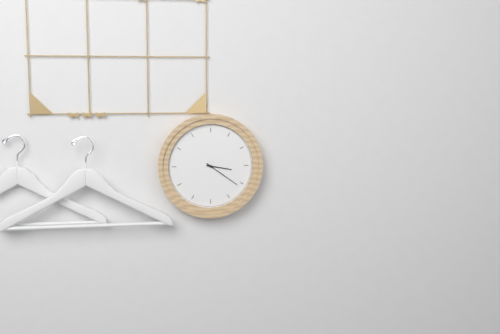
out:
3 h 21 min
